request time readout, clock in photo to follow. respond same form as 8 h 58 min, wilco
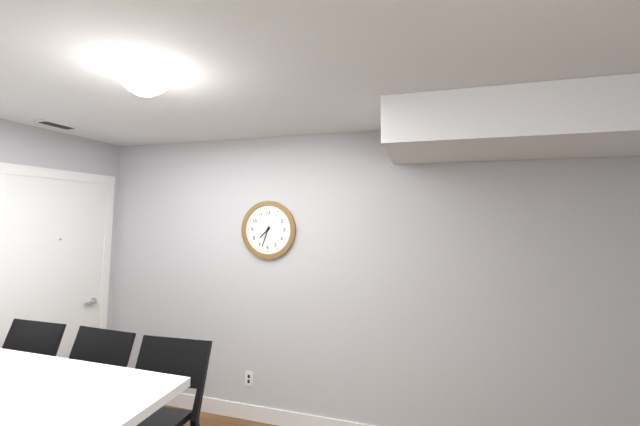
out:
7 h 33 min
